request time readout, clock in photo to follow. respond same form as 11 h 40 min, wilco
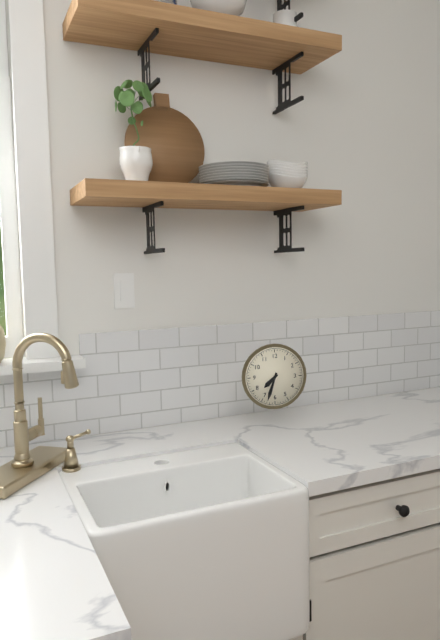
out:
7 h 33 min
